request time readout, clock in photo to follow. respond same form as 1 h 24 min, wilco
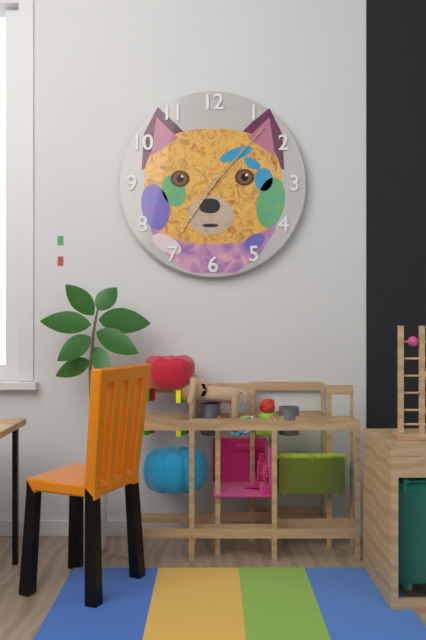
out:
7 h 07 min
